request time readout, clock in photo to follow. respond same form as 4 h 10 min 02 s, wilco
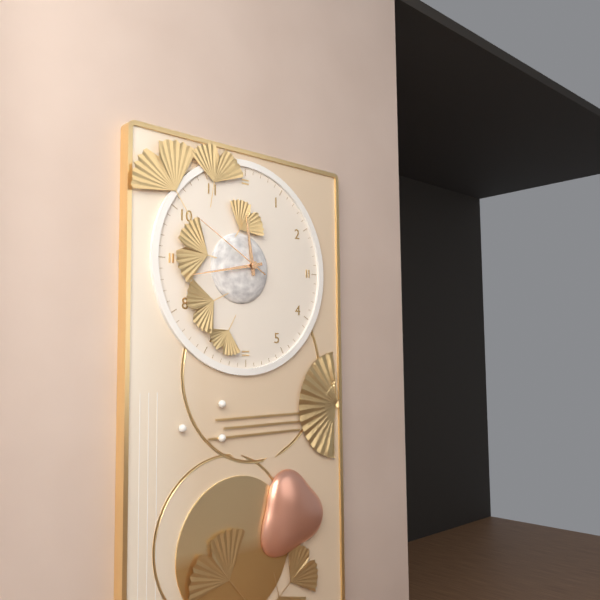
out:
11 h 43 min 50 s
